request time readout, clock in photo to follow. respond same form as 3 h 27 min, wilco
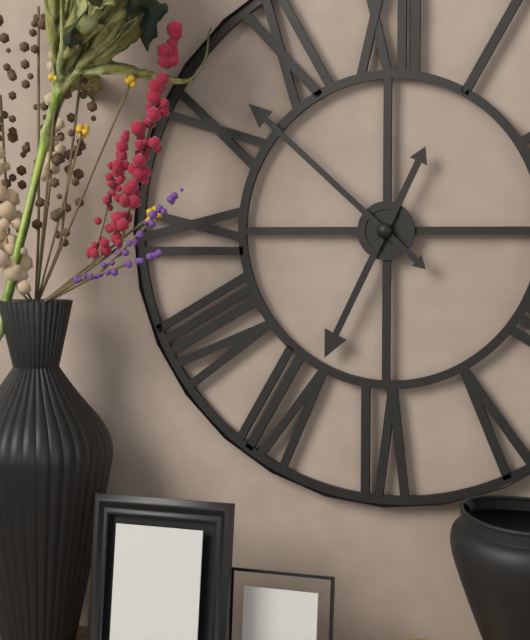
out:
6 h 52 min
